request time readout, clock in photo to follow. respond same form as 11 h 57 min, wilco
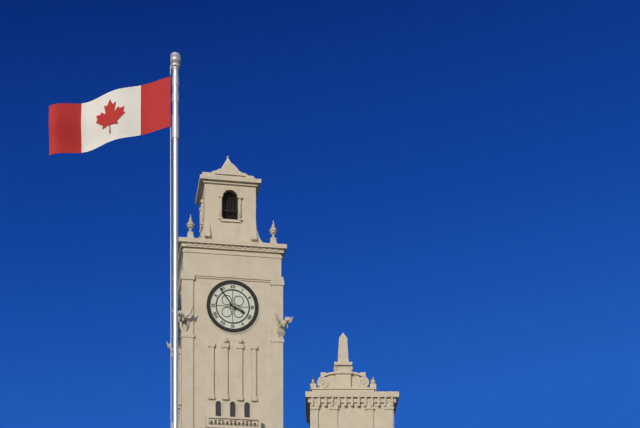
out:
3 h 54 min
